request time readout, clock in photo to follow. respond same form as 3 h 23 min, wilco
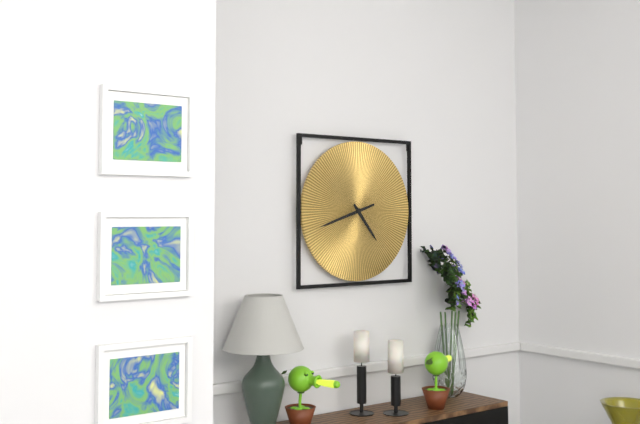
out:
4 h 42 min
